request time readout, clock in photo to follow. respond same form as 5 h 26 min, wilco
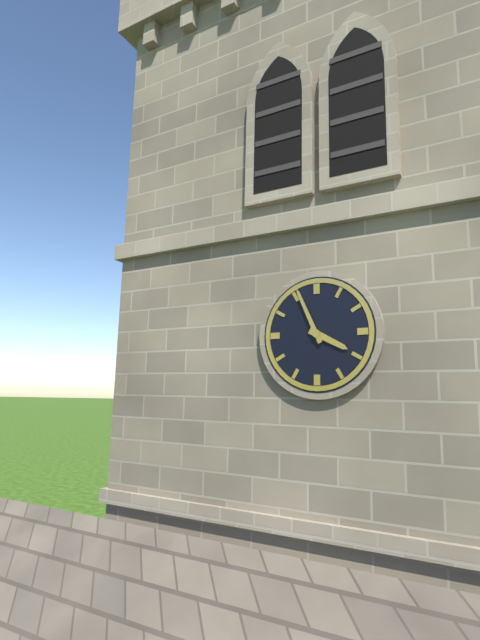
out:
3 h 56 min
